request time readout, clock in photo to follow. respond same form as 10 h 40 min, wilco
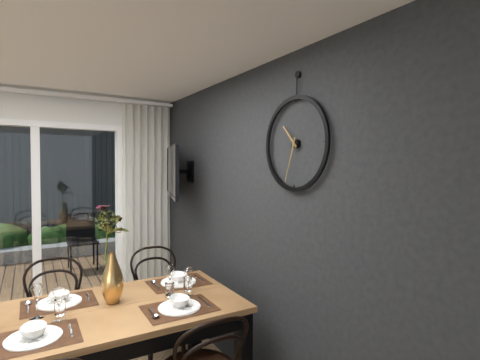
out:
10 h 33 min
